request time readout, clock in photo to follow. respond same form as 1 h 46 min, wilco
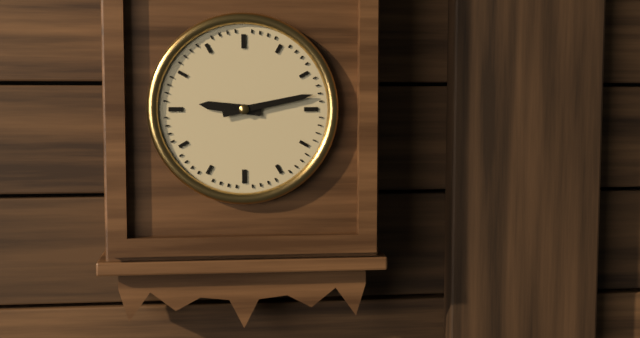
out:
9 h 13 min
